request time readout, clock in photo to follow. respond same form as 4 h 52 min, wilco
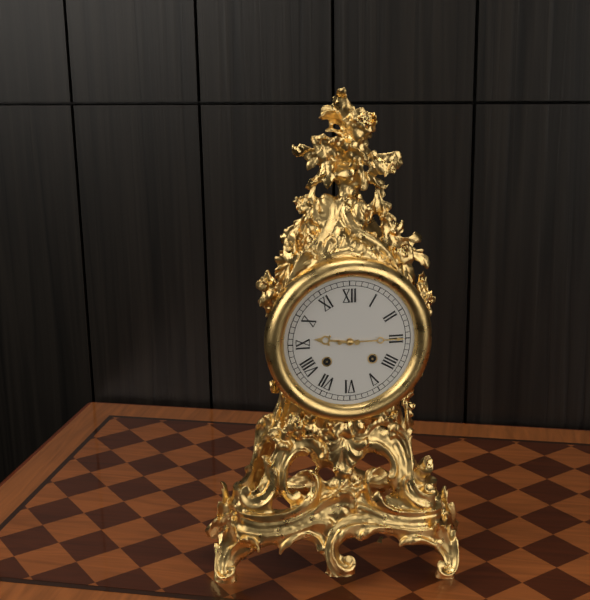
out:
9 h 15 min
